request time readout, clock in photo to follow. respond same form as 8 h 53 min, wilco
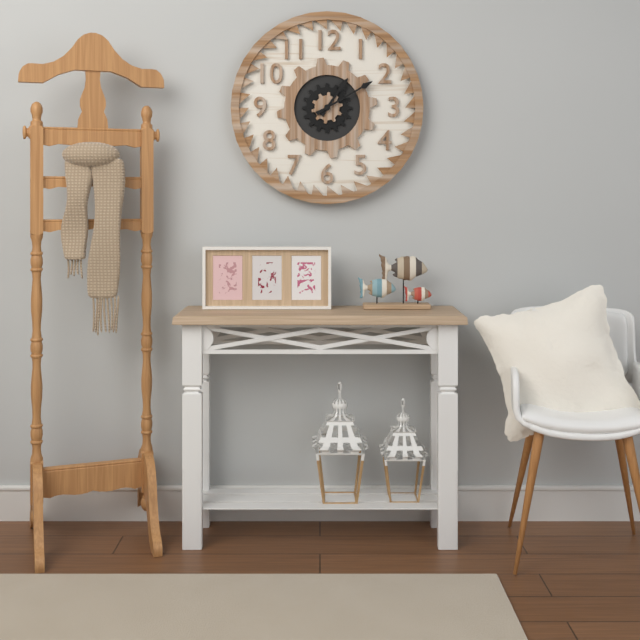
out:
1 h 10 min
